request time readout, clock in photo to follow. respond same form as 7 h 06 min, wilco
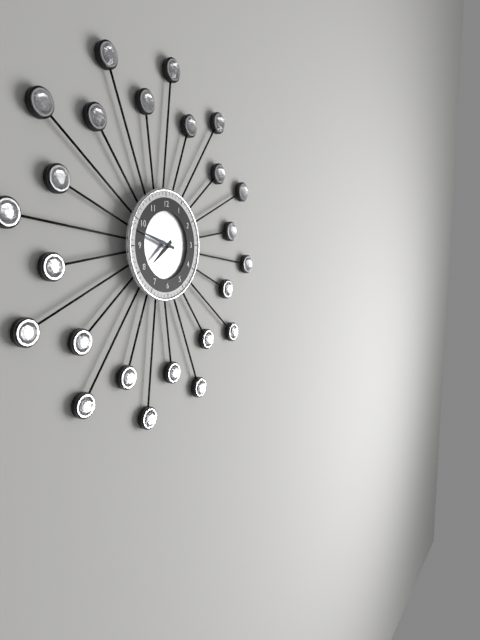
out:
7 h 48 min
